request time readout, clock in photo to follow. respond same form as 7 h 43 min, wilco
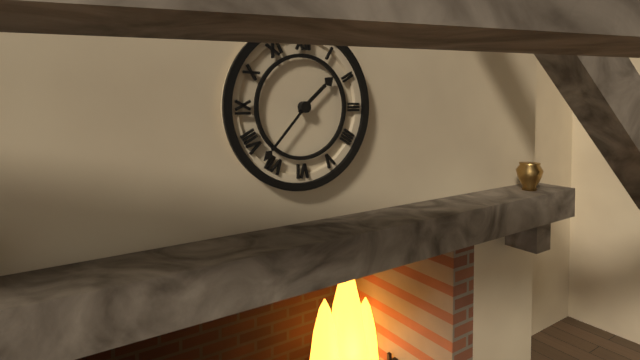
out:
1 h 37 min
